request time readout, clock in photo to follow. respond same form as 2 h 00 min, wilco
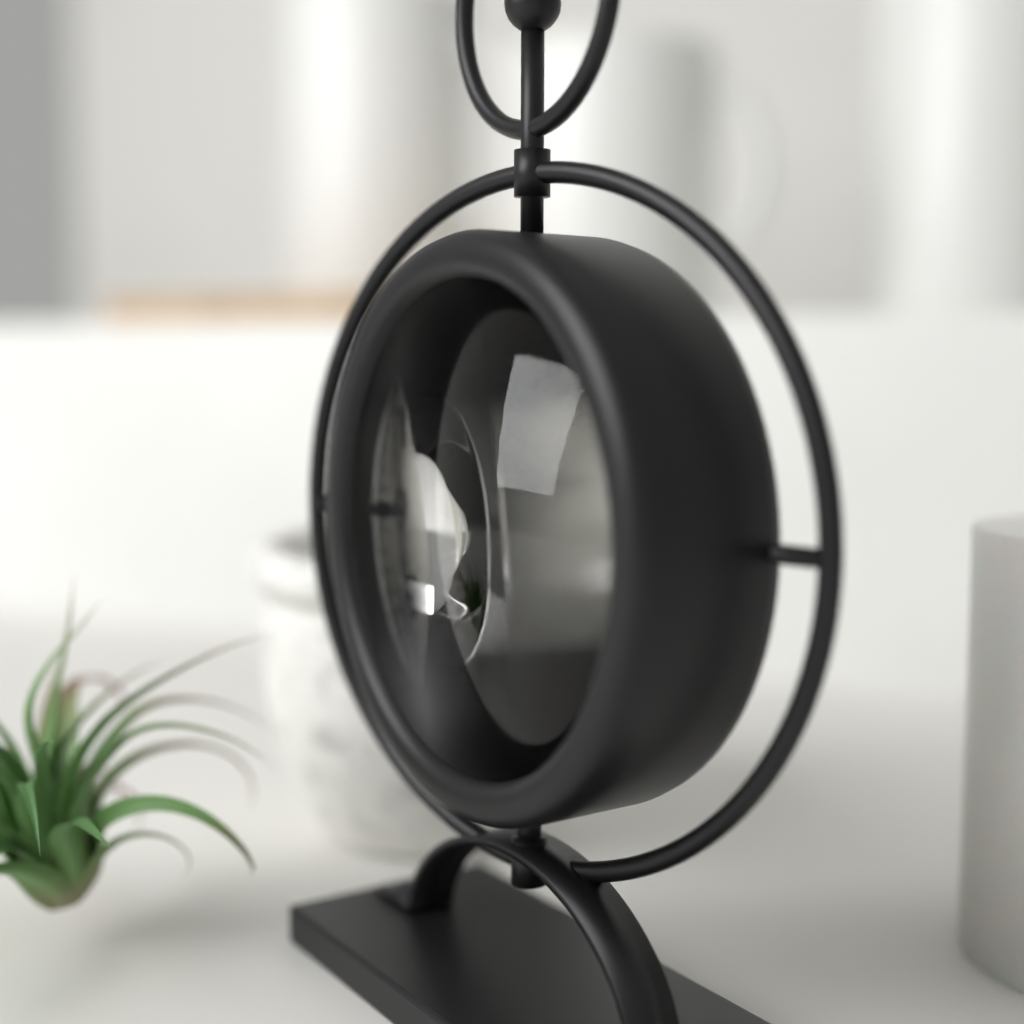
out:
5 h 29 min
